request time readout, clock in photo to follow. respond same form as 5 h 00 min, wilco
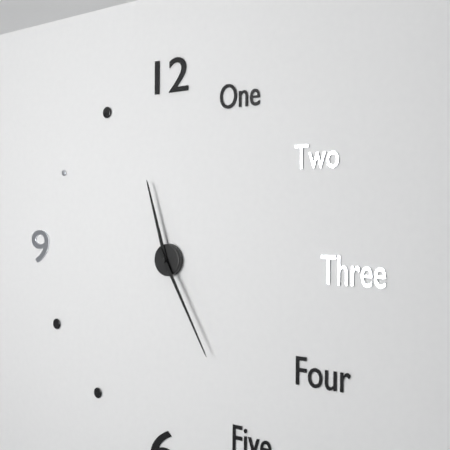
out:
11 h 25 min
